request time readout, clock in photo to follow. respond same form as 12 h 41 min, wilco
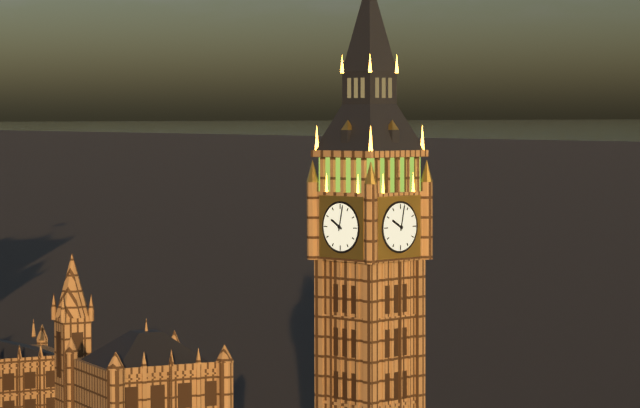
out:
10 h 02 min
